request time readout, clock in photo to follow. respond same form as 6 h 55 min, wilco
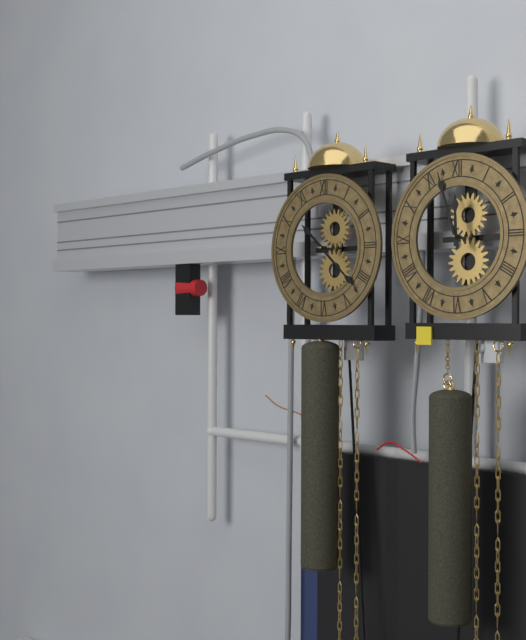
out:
10 h 22 min
